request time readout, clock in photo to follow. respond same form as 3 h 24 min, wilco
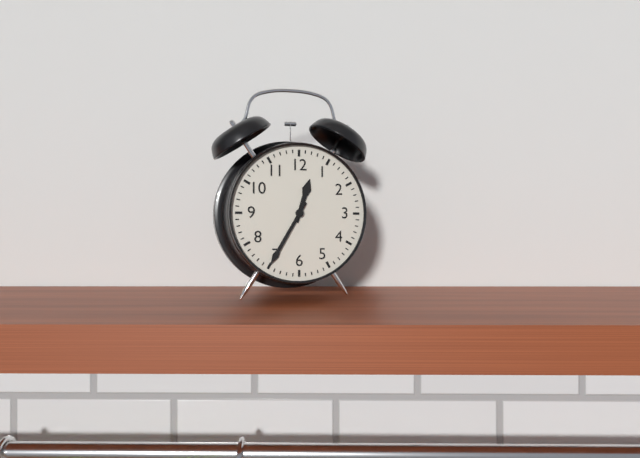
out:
12 h 35 min
